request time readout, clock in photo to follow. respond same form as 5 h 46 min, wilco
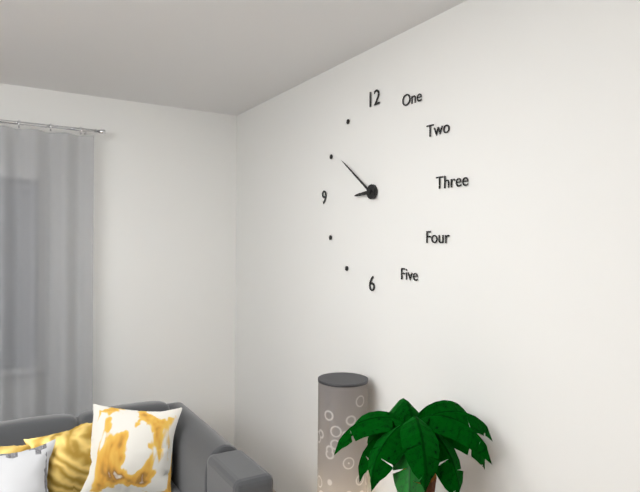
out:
8 h 51 min
